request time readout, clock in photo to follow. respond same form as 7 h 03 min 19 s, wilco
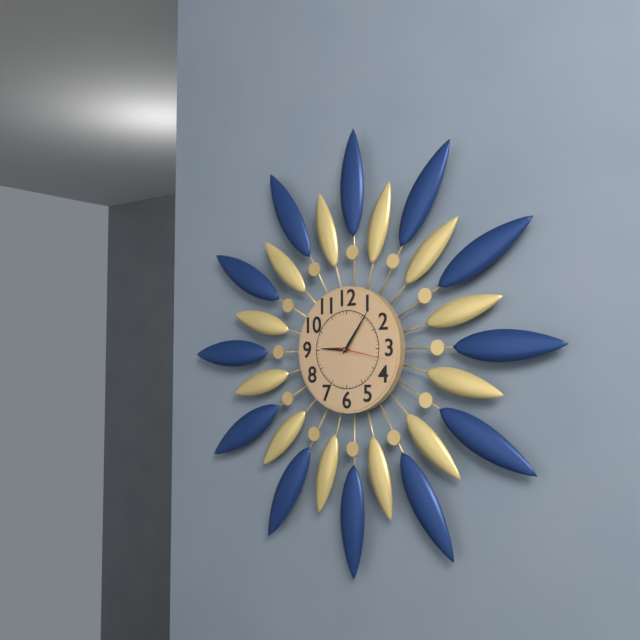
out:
9 h 06 min 17 s
